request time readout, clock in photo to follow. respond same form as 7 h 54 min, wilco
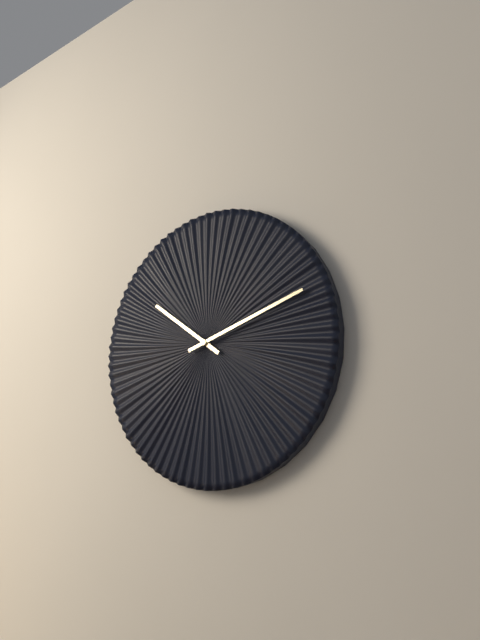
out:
10 h 12 min
